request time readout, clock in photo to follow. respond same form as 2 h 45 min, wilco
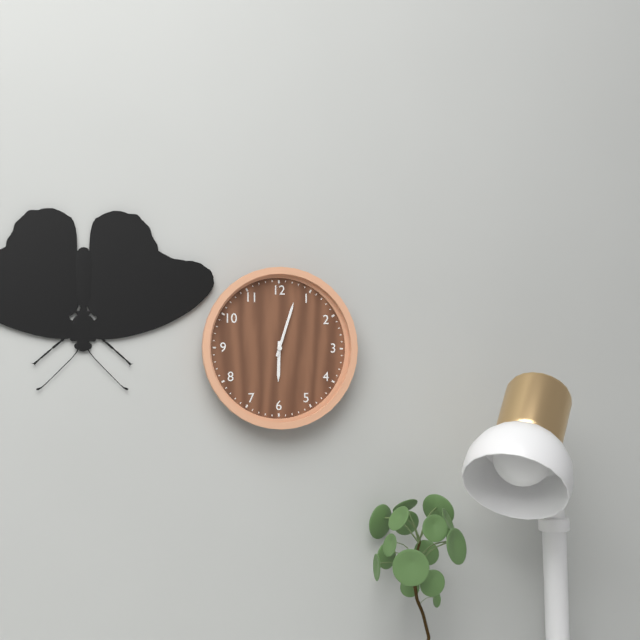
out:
6 h 03 min
